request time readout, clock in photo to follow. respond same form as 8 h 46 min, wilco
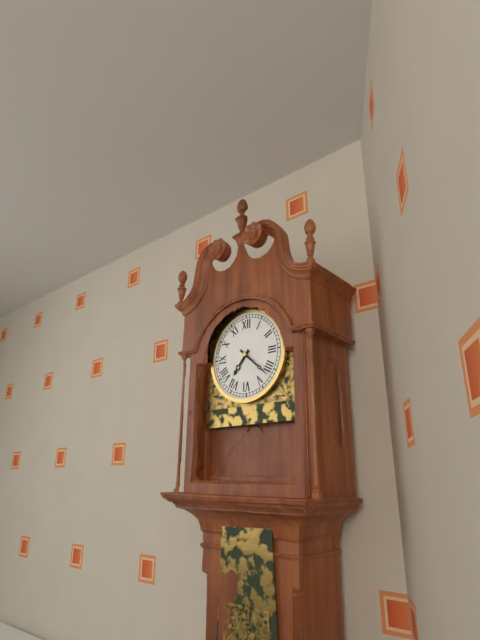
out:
7 h 22 min
